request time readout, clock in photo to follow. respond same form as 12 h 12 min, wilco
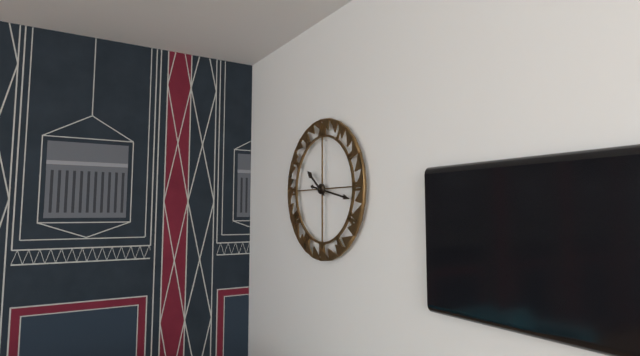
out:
10 h 17 min
